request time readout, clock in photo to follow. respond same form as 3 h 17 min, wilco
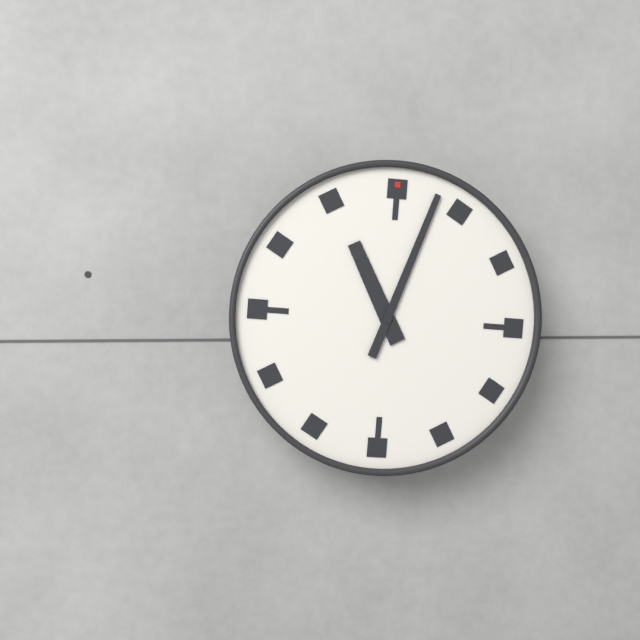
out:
11 h 03 min
